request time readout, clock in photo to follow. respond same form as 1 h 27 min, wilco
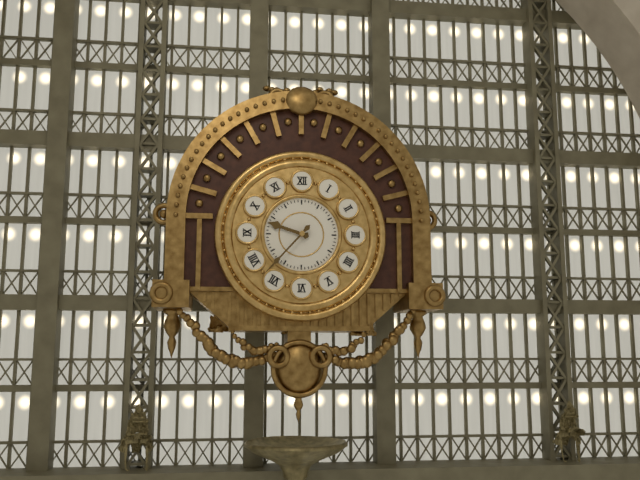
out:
9 h 37 min
